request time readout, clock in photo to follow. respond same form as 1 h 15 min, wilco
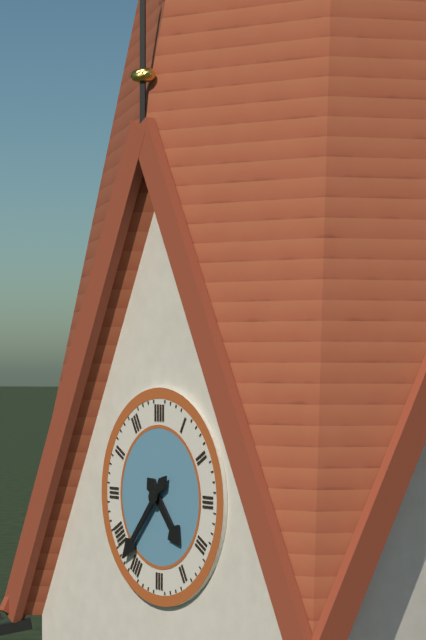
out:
4 h 37 min
